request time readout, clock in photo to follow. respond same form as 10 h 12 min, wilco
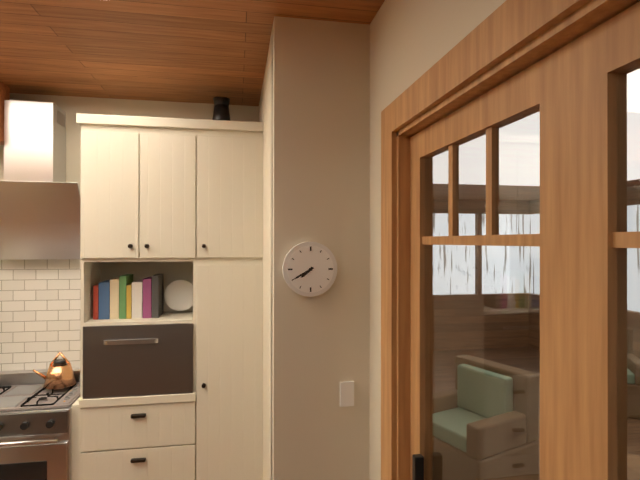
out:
7 h 40 min
